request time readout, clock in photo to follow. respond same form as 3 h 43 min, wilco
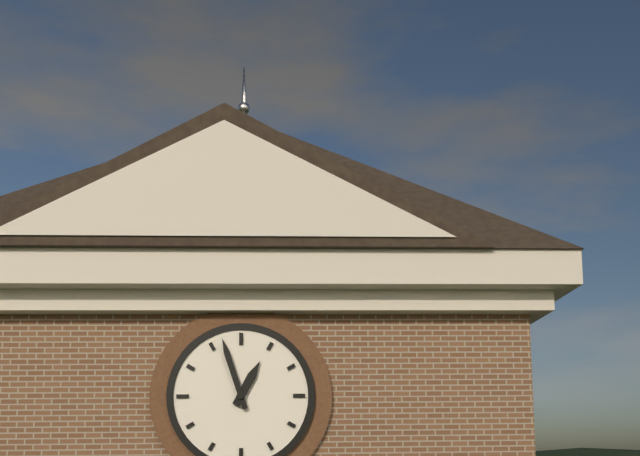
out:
12 h 57 min
